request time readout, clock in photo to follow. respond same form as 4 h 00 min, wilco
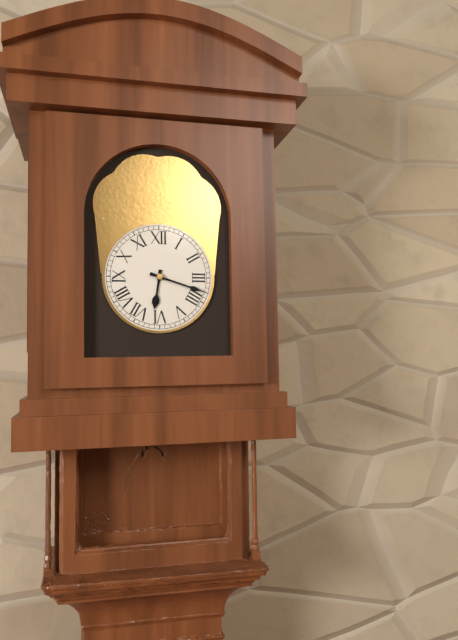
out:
6 h 18 min
